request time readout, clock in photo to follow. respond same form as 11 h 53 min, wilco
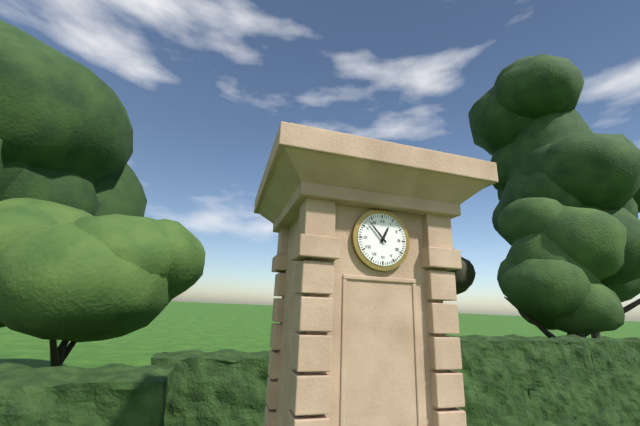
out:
12 h 53 min
